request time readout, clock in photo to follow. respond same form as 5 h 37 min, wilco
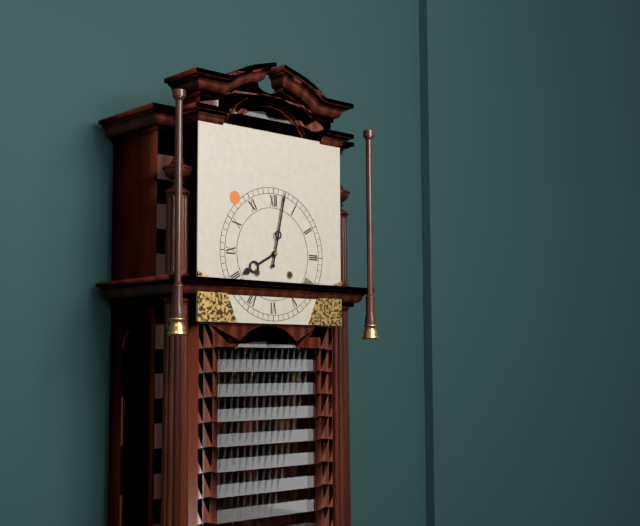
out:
8 h 02 min
